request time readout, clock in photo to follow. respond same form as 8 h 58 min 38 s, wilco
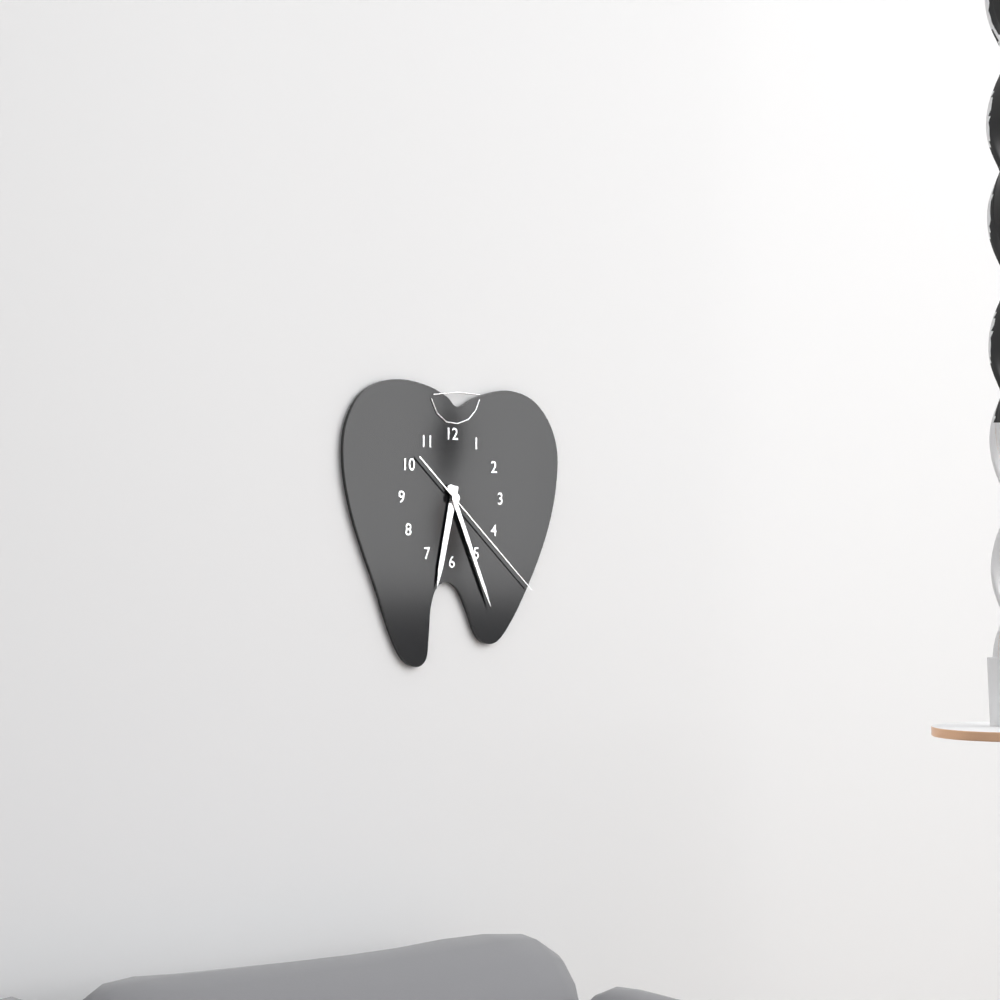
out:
6 h 26 min 22 s
